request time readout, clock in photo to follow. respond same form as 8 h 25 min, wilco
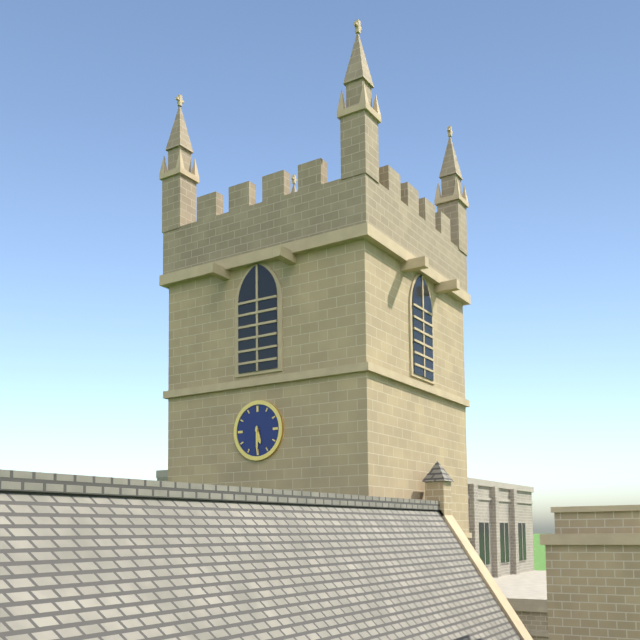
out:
5 h 30 min
